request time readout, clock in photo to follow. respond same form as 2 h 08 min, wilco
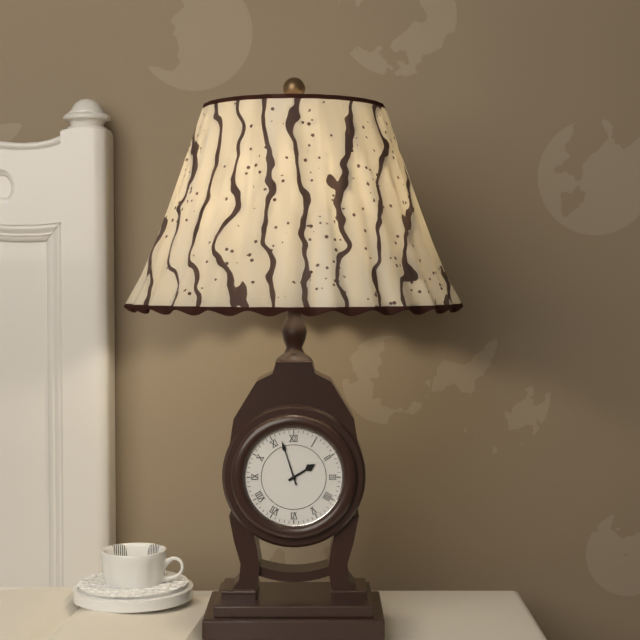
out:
1 h 57 min
